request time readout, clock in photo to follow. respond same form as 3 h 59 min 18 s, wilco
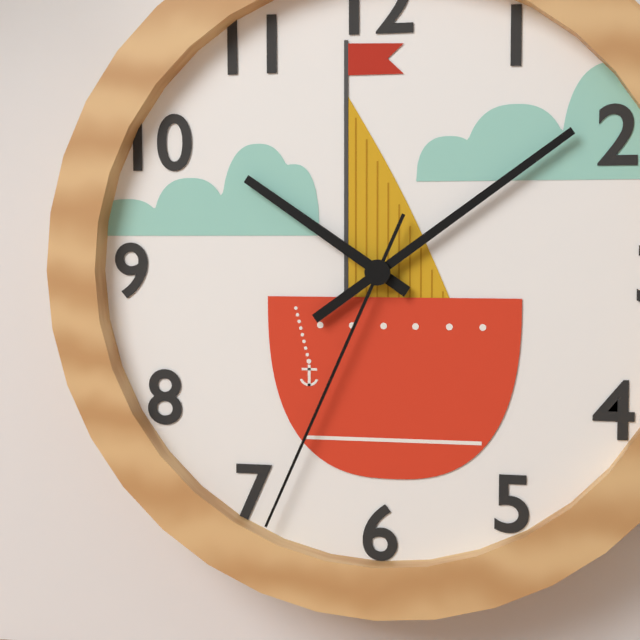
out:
10 h 09 min 34 s
